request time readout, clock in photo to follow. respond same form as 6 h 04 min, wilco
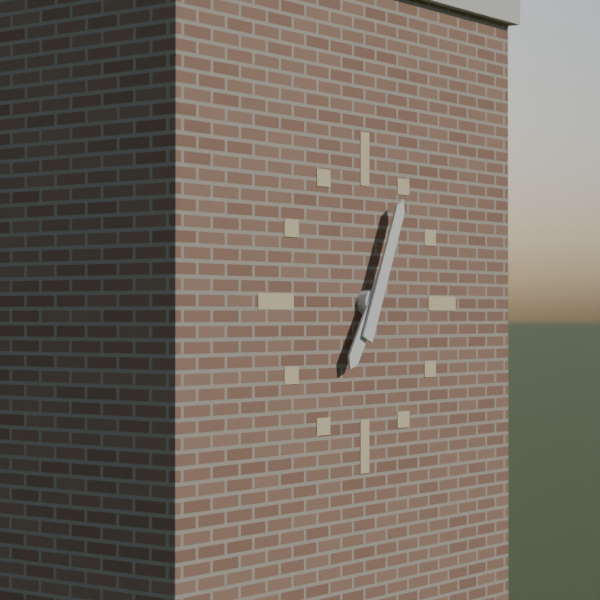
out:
7 h 04 min
